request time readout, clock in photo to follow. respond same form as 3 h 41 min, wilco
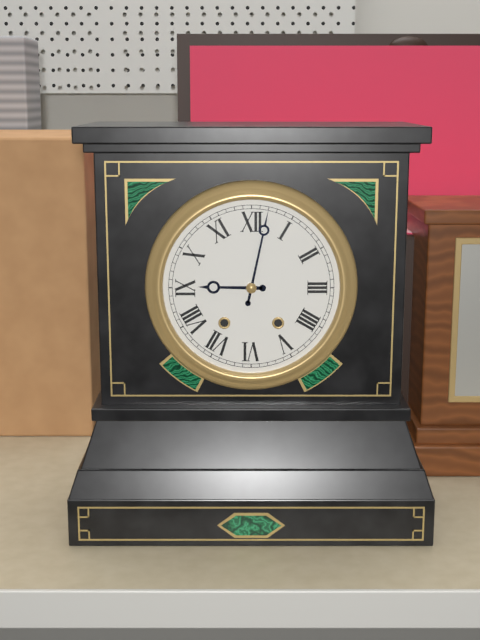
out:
9 h 02 min
